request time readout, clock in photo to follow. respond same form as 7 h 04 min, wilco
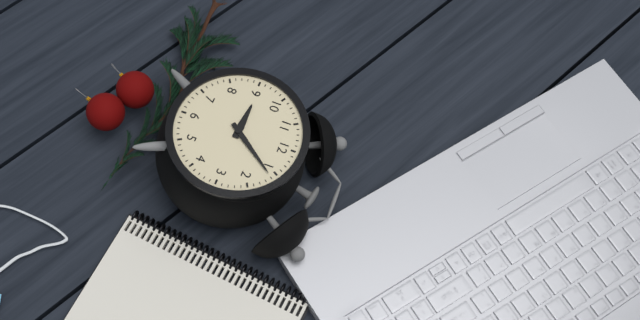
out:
9 h 06 min
